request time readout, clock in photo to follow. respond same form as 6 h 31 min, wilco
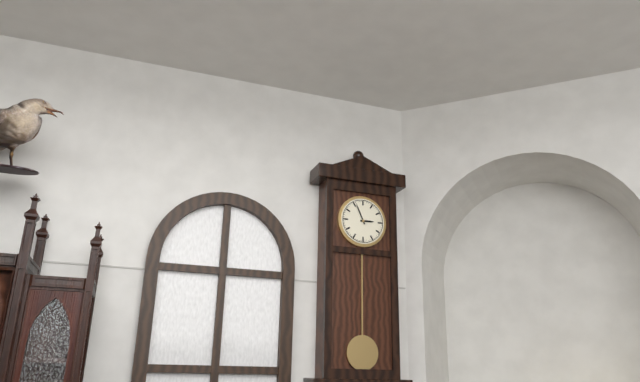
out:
2 h 56 min
